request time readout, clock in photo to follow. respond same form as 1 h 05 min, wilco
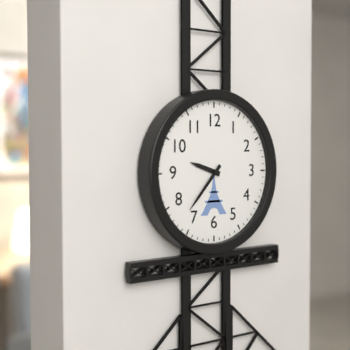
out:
9 h 37 min
